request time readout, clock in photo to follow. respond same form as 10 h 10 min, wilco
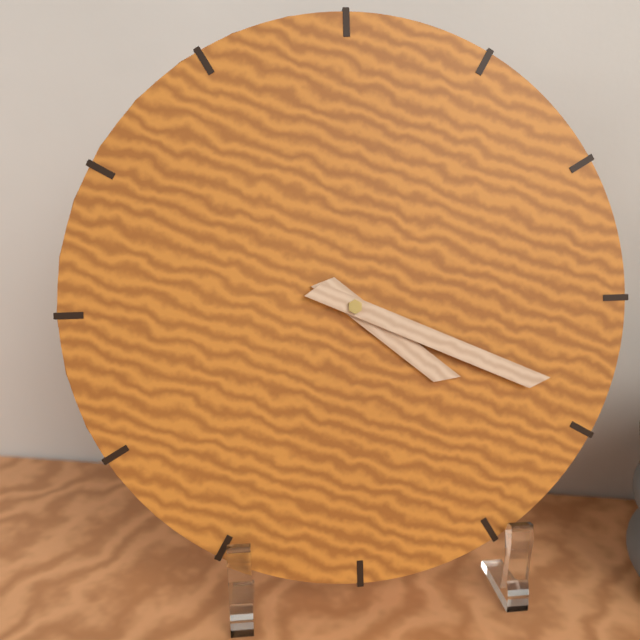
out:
4 h 19 min
